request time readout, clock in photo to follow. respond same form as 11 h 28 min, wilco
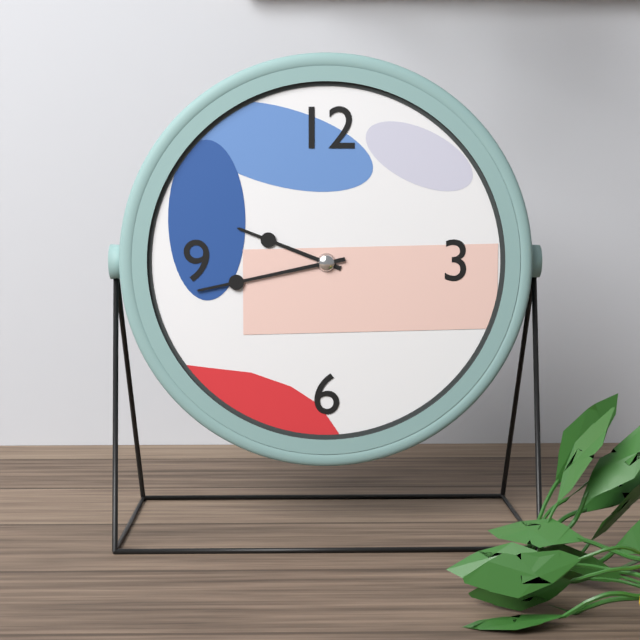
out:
9 h 43 min
